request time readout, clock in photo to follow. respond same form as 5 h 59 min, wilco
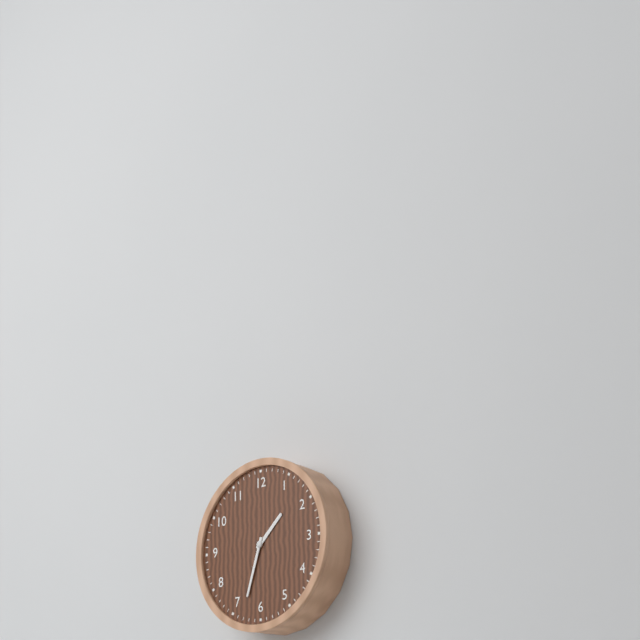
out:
1 h 33 min
